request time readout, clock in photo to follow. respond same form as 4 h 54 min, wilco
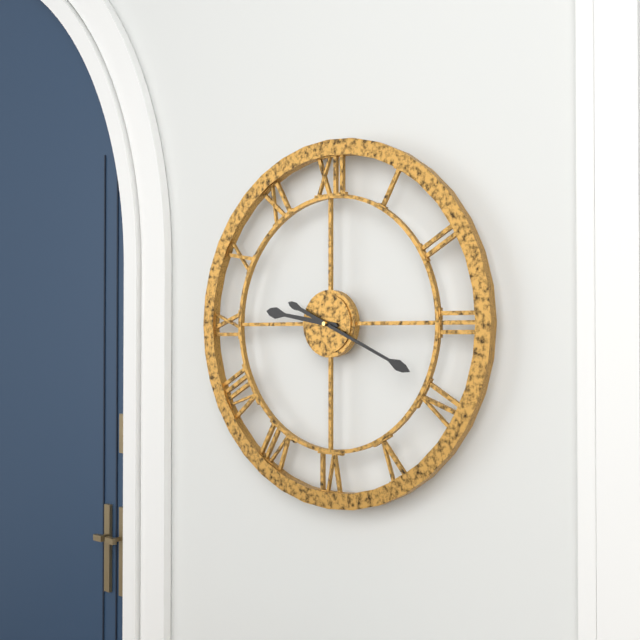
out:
9 h 19 min
